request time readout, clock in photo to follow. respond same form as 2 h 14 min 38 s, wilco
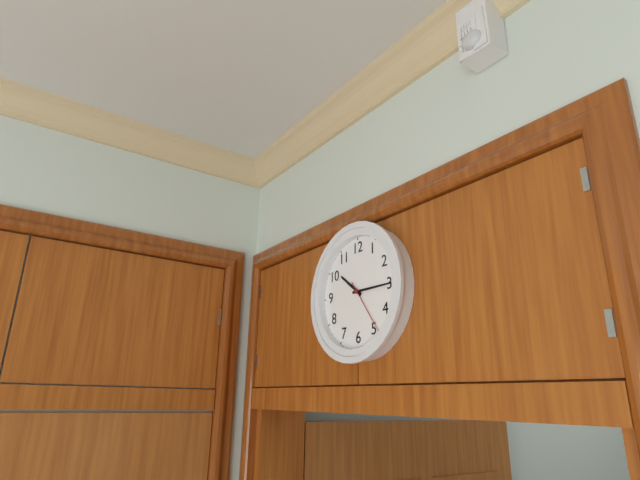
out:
10 h 15 min 24 s
